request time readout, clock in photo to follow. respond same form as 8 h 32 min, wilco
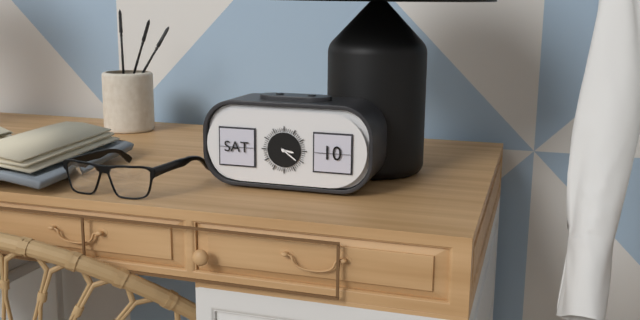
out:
3 h 21 min
